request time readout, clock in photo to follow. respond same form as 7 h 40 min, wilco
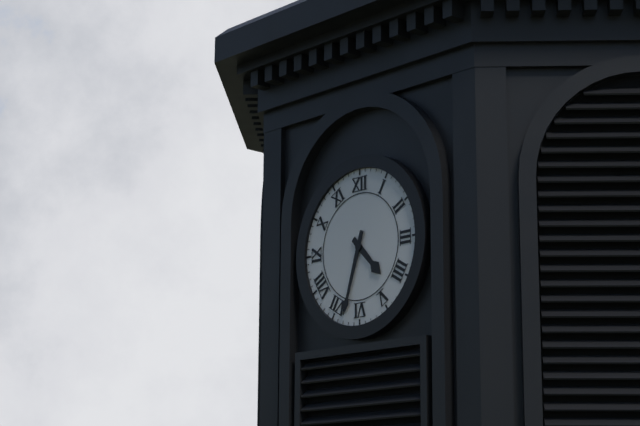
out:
4 h 33 min
